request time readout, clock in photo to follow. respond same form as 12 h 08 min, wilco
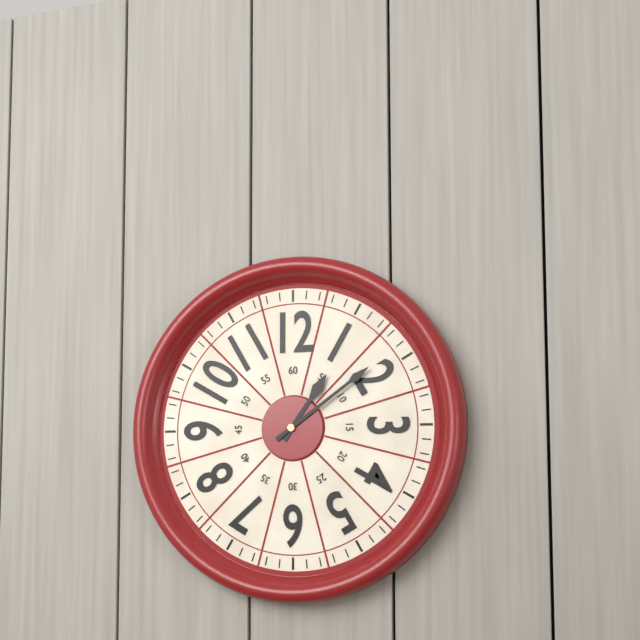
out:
1 h 09 min
